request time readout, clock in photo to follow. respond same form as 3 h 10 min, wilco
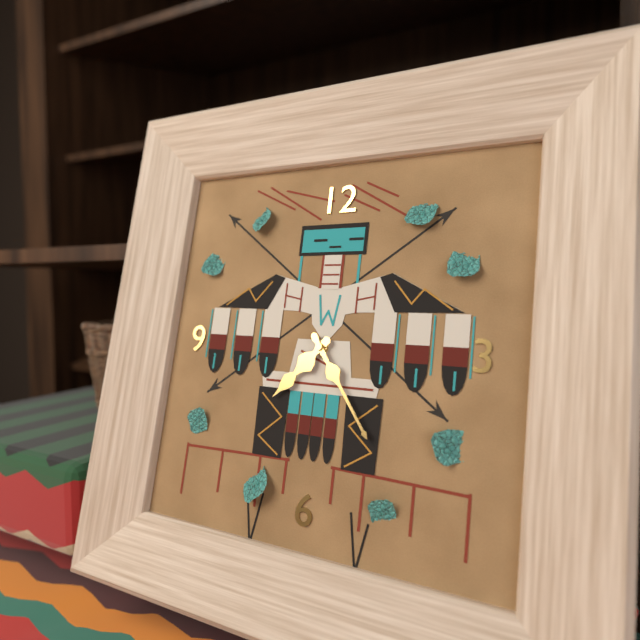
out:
7 h 24 min
